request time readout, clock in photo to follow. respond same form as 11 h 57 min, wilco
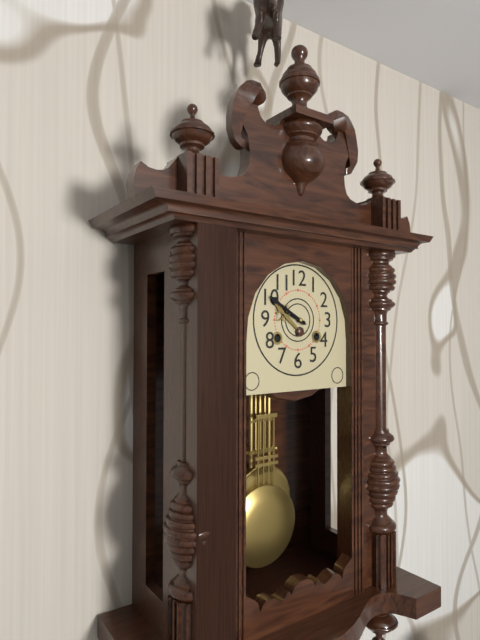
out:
9 h 50 min
